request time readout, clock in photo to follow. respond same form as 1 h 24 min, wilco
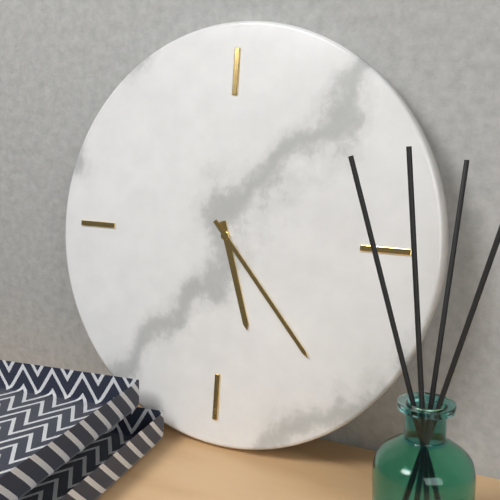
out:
5 h 23 min
